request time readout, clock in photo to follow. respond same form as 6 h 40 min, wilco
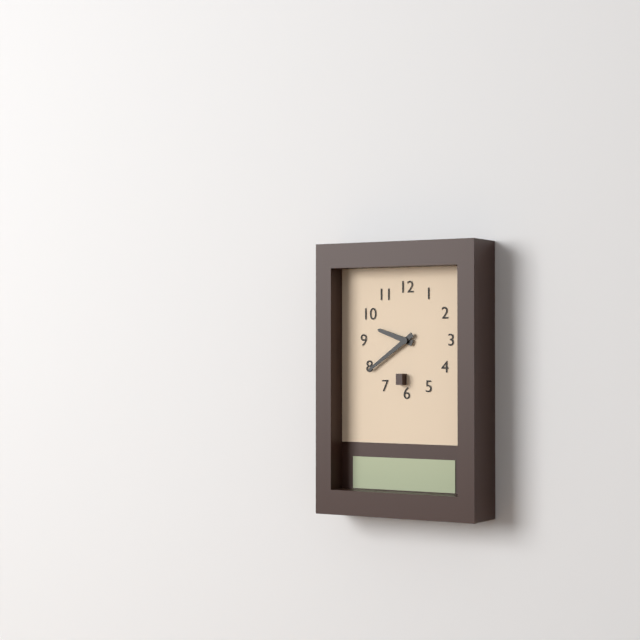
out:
9 h 39 min
